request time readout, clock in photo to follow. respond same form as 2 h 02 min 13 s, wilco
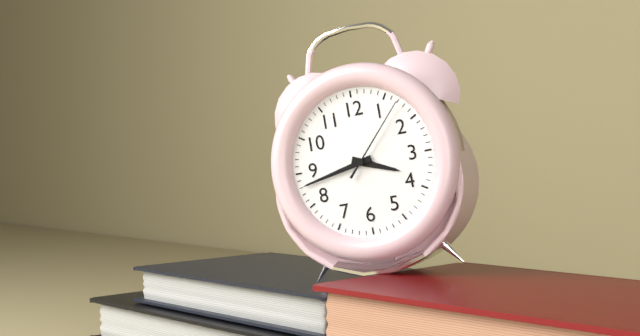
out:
3 h 43 min 07 s
